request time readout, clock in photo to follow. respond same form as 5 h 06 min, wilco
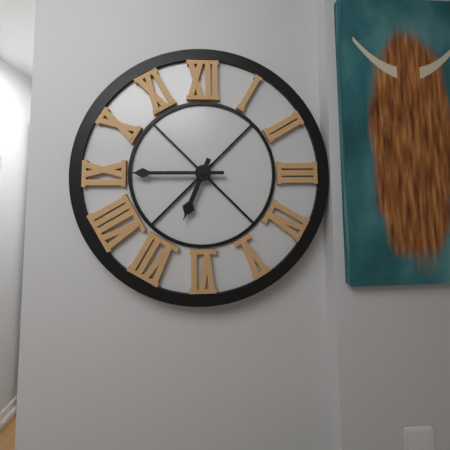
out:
6 h 45 min
